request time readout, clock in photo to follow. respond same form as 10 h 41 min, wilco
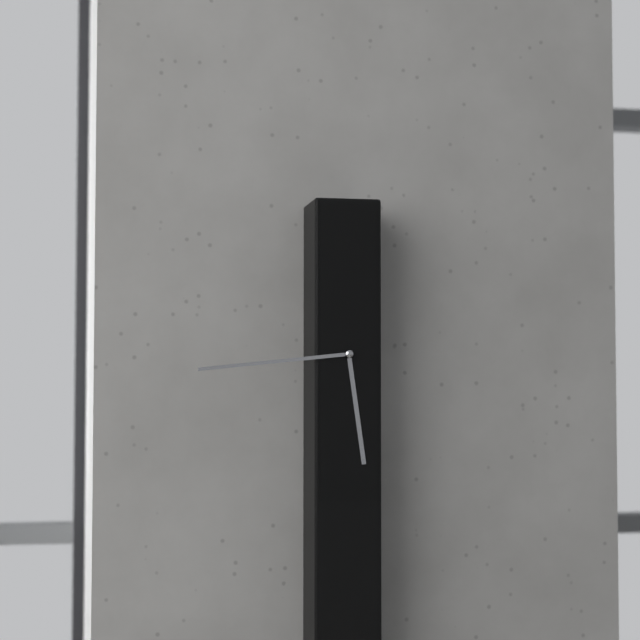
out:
5 h 44 min
